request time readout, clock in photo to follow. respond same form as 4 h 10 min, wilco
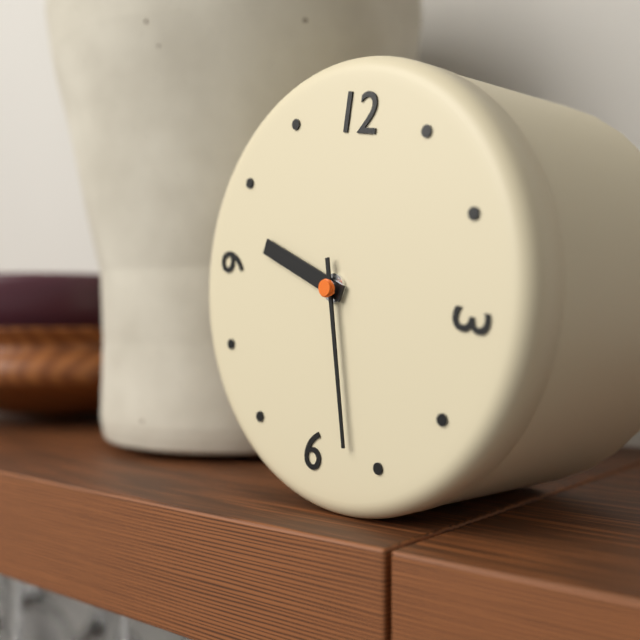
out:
9 h 27 min
